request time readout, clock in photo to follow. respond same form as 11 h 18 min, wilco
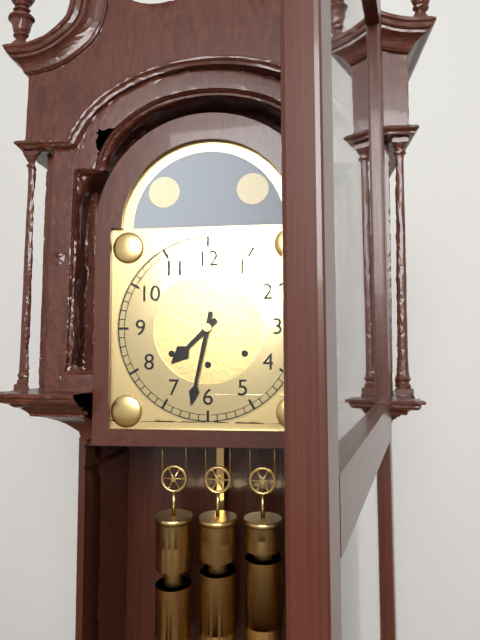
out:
7 h 32 min
